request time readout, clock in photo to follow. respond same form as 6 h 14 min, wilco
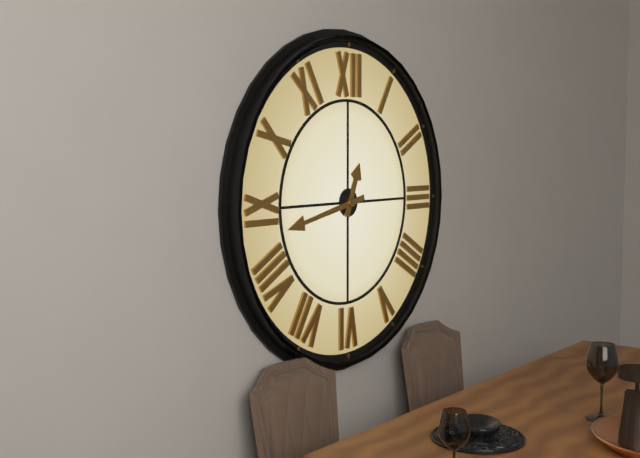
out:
12 h 43 min
